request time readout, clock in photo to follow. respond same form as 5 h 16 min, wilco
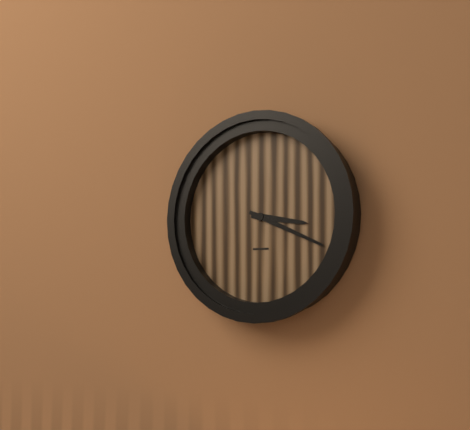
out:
3 h 19 min
